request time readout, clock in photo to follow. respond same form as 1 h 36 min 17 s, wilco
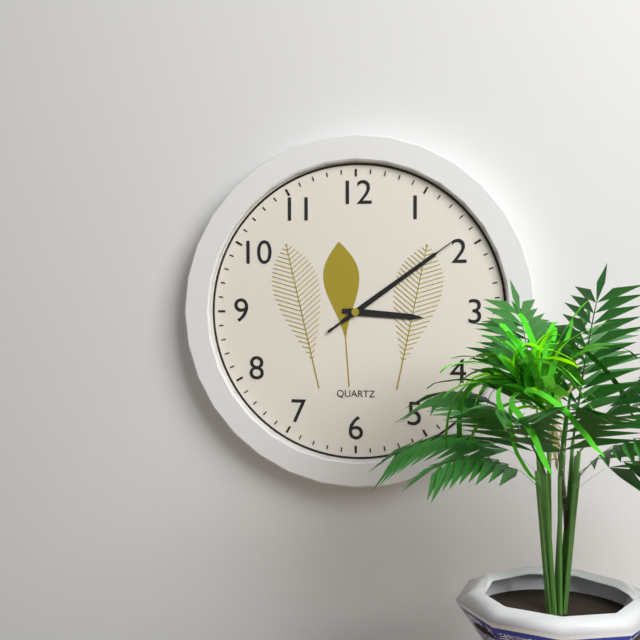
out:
3 h 09 min 09 s
